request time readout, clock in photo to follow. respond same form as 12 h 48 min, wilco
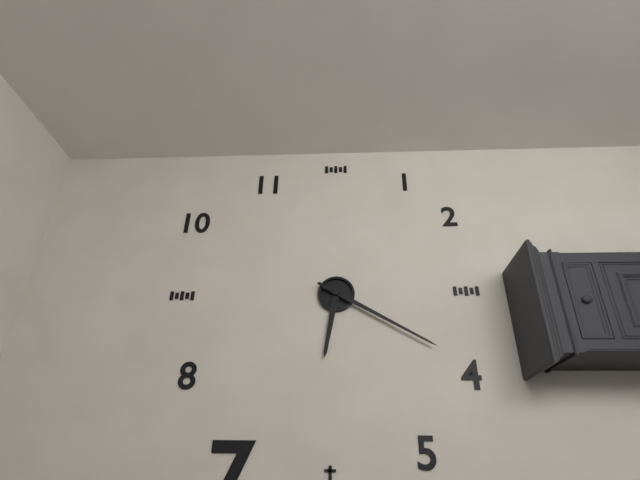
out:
6 h 20 min
